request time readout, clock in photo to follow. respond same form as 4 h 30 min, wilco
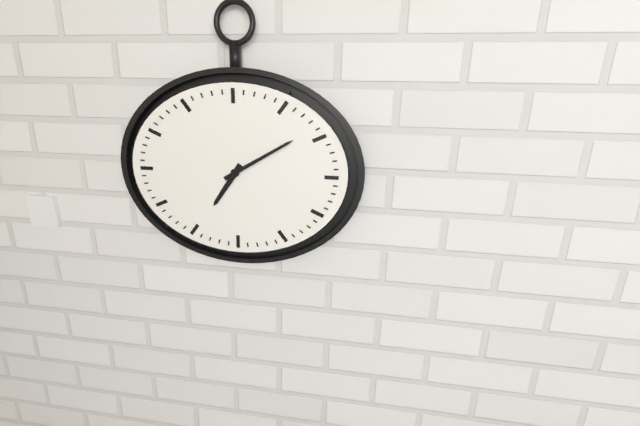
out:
7 h 10 min
